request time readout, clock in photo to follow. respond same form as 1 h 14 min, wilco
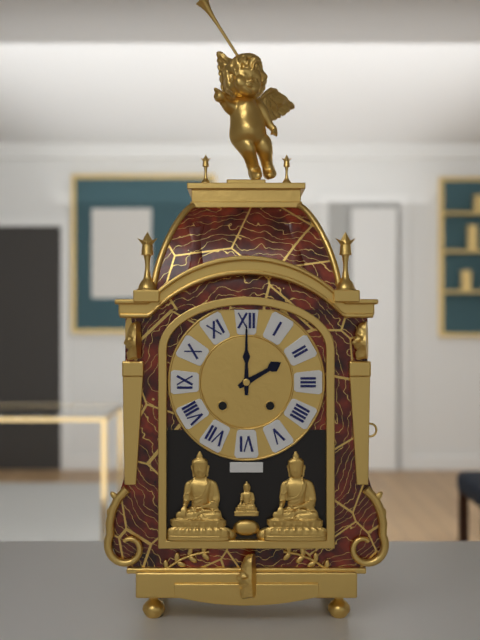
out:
2 h 00 min
